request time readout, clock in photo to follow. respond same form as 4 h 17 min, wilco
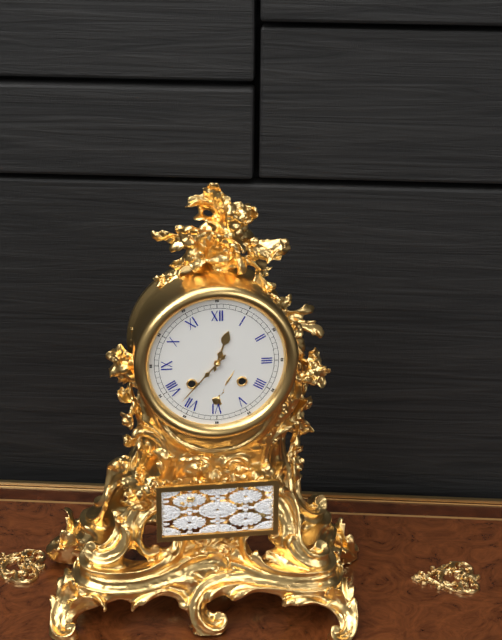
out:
12 h 37 min
